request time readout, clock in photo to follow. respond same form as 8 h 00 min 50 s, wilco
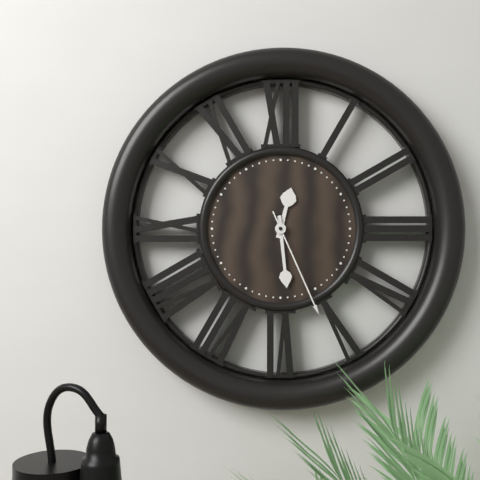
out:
12 h 29 min 26 s
